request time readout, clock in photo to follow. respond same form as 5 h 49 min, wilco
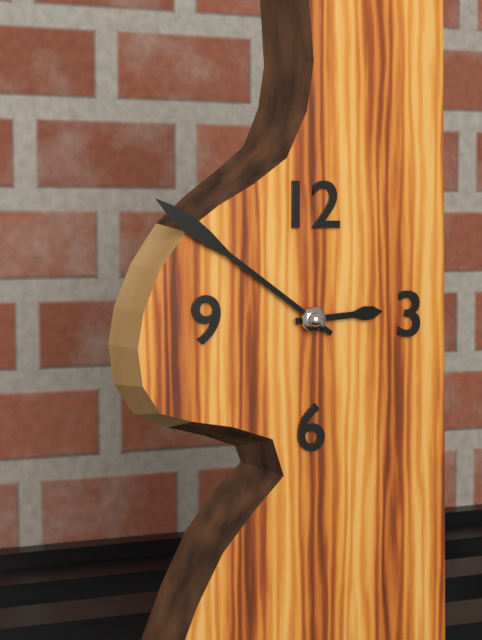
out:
2 h 51 min
